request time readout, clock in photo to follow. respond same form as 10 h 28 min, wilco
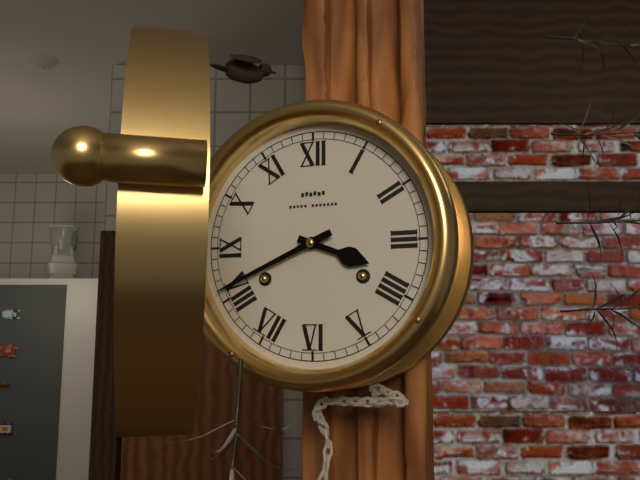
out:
3 h 41 min
